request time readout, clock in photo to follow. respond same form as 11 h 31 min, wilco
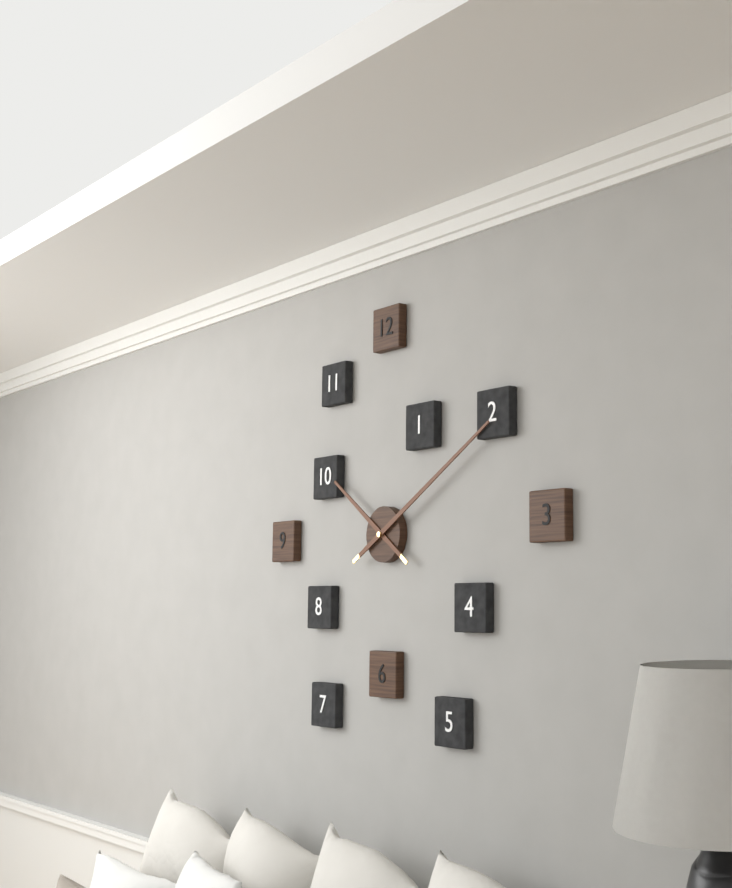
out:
10 h 10 min
